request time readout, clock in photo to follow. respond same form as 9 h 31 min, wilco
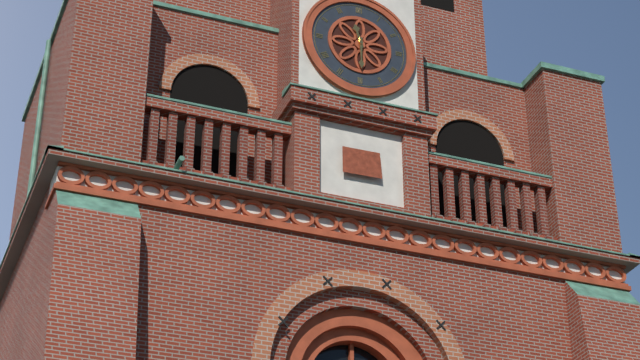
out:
11 h 30 min
